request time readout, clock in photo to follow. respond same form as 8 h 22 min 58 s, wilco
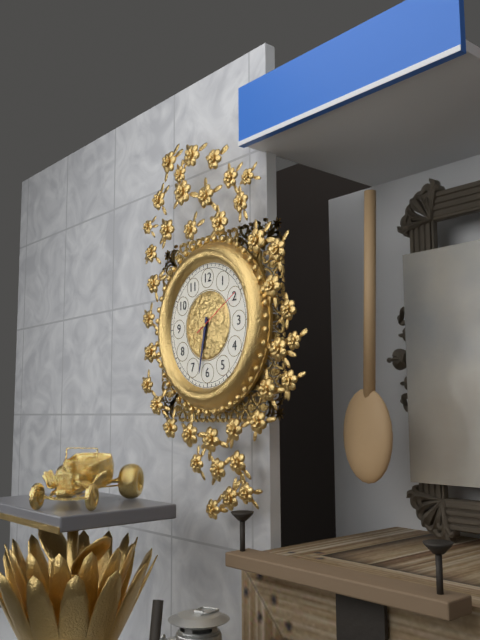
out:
6 h 32 min 10 s
